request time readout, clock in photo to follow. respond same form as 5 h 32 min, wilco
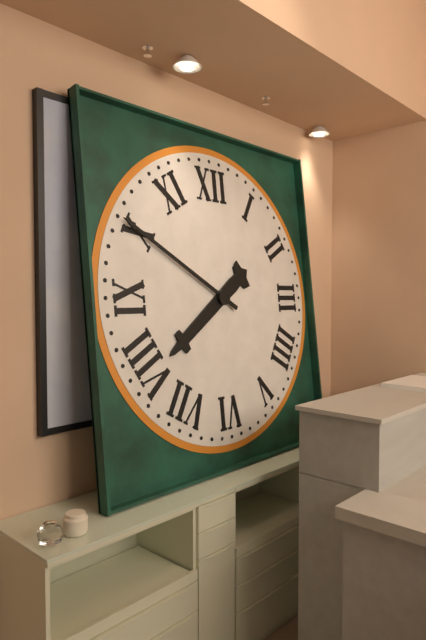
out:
7 h 50 min
